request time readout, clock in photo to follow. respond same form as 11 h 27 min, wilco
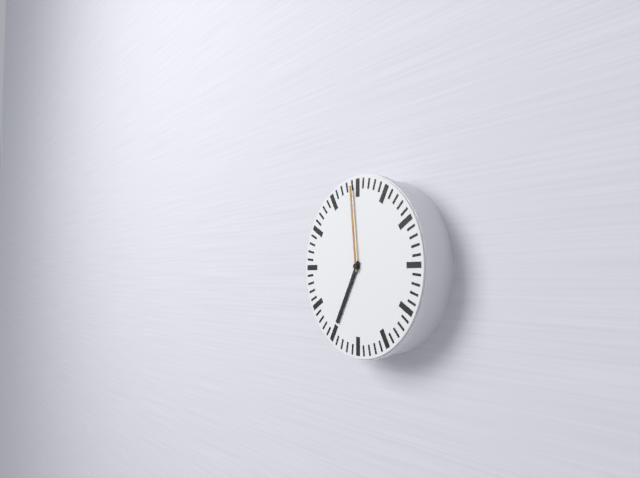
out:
6 h 59 min
